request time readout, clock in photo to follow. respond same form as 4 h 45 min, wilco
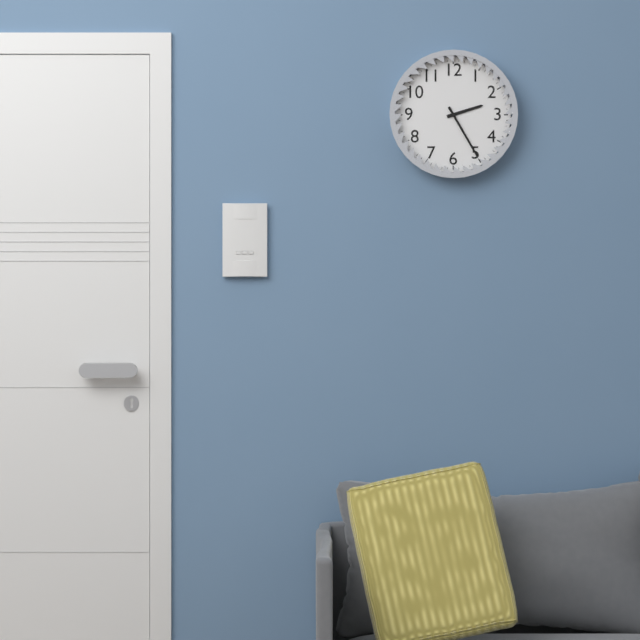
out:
2 h 25 min
